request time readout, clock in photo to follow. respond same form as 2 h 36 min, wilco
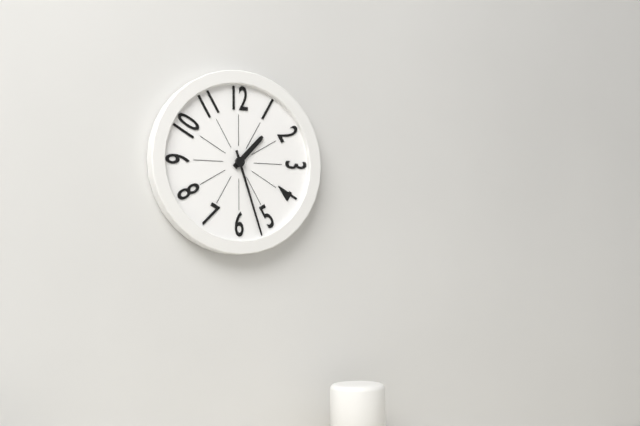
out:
1 h 27 min
